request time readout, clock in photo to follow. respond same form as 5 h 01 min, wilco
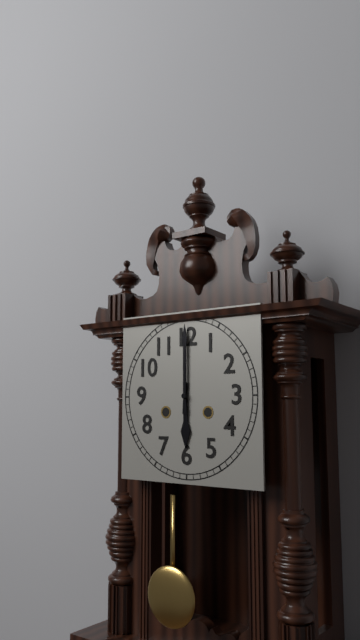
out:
6 h 00 min
